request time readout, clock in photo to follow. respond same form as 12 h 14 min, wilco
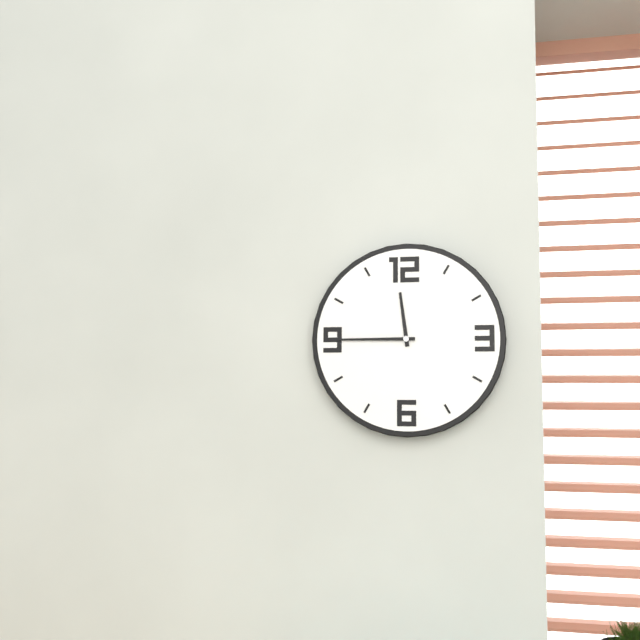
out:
11 h 45 min
